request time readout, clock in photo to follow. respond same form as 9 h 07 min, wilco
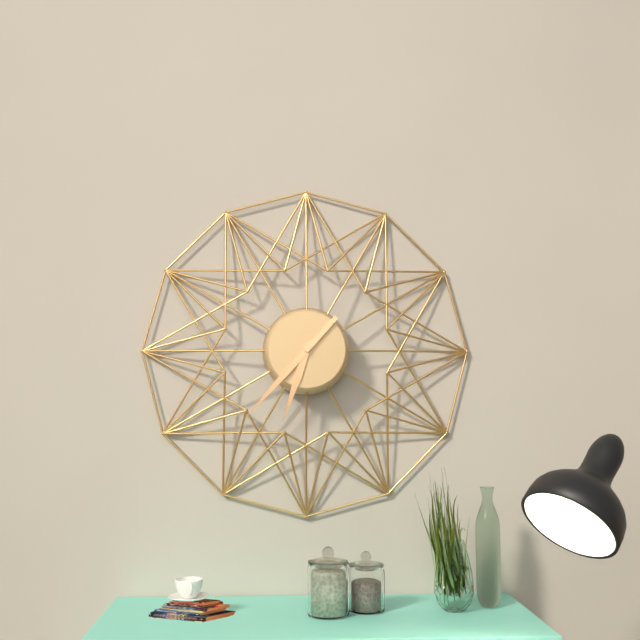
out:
6 h 37 min
